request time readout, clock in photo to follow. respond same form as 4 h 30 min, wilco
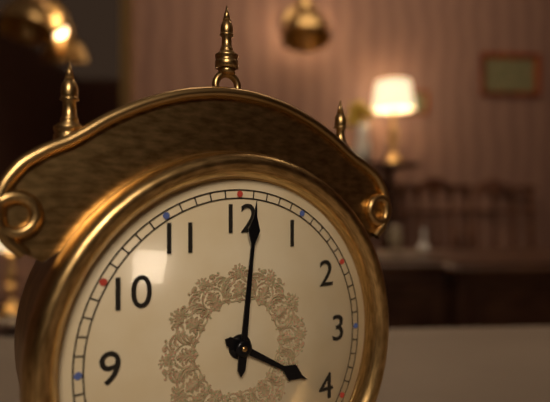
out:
4 h 01 min
